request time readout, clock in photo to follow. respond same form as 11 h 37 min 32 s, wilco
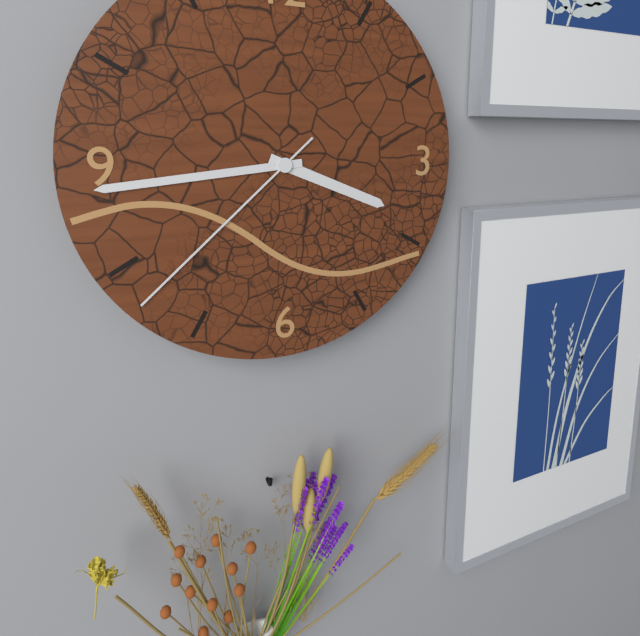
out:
3 h 44 min 38 s
